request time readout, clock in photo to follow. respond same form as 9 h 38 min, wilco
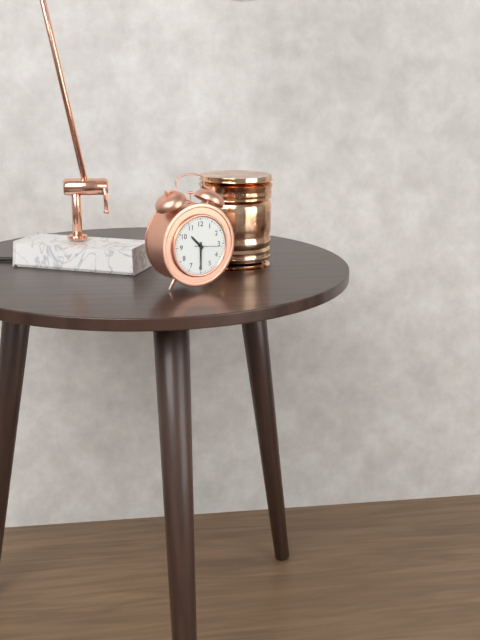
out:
10 h 30 min
